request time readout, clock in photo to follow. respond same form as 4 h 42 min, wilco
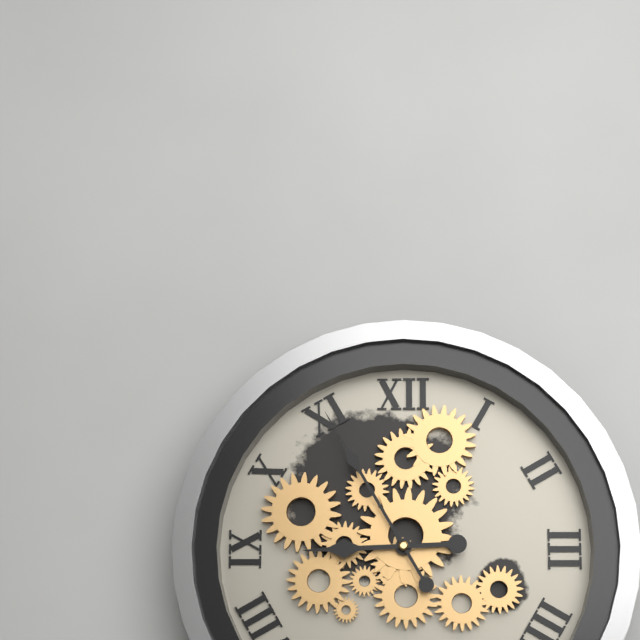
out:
8 h 55 min
